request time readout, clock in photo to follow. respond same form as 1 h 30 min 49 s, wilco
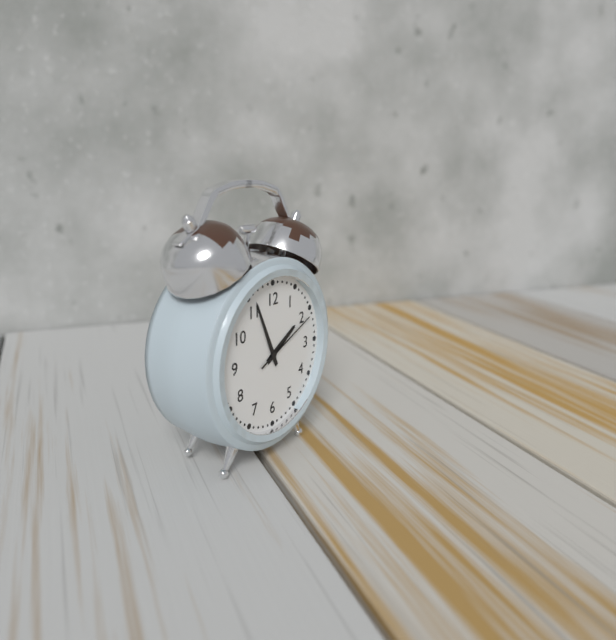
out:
1 h 56 min 11 s
